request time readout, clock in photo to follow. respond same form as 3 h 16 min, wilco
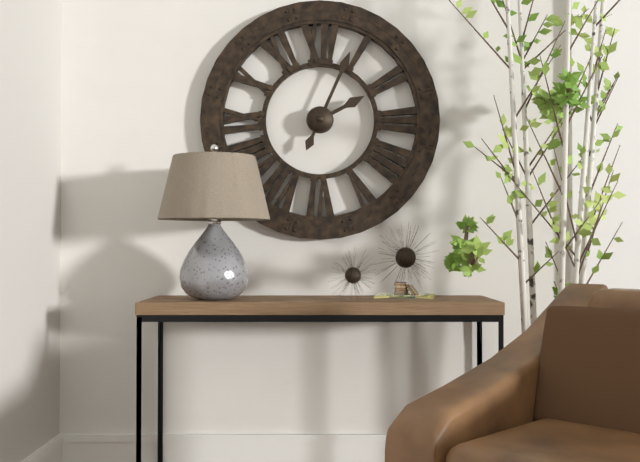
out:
2 h 04 min
